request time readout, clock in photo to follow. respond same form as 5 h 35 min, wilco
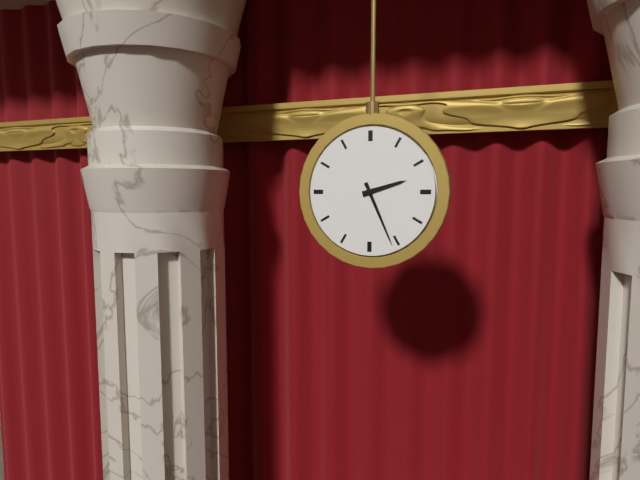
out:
2 h 26 min
